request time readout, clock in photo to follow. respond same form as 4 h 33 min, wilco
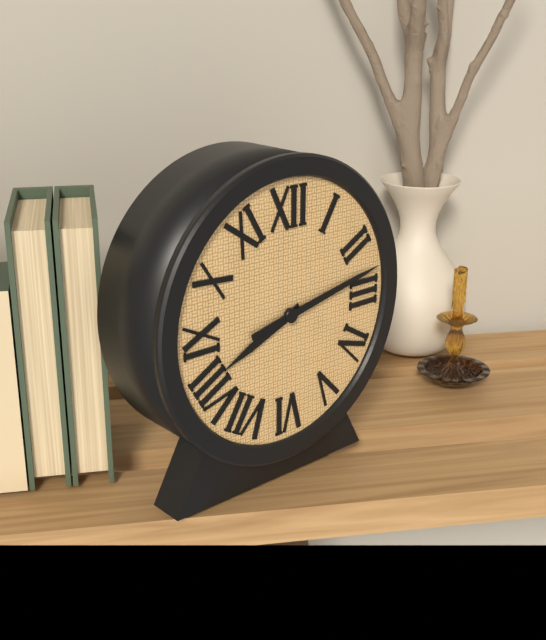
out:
8 h 13 min
